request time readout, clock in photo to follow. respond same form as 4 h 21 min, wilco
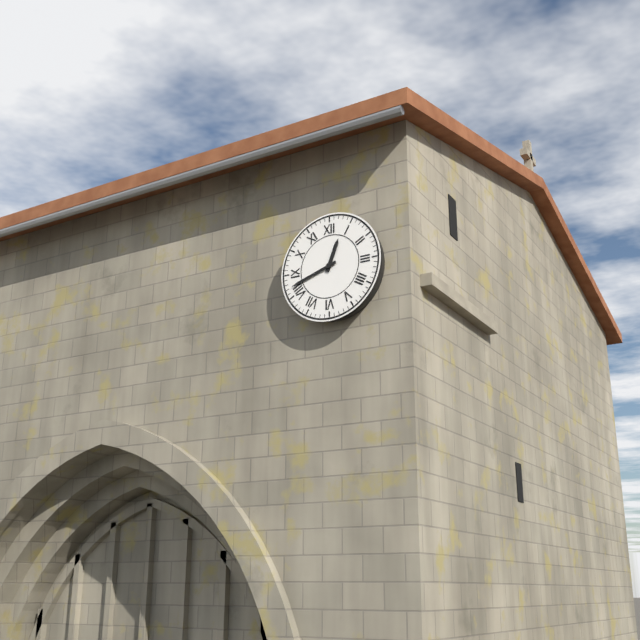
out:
12 h 42 min
